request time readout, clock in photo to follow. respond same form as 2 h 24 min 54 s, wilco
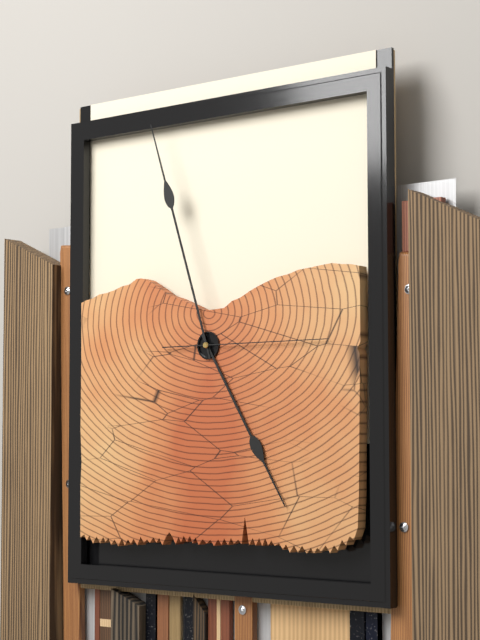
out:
4 h 57 min 15 s
